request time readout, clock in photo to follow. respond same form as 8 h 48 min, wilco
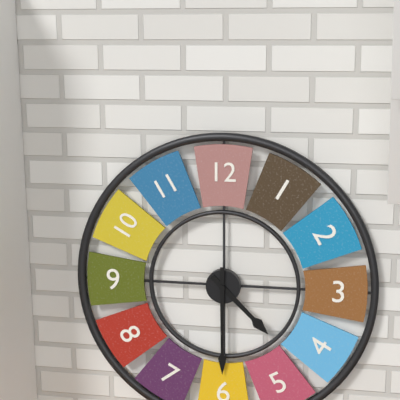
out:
4 h 30 min
